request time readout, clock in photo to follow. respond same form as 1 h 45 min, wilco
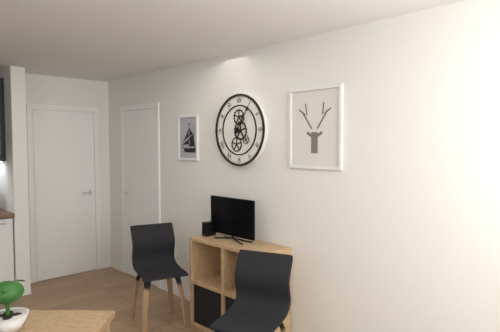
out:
1 h 06 min
